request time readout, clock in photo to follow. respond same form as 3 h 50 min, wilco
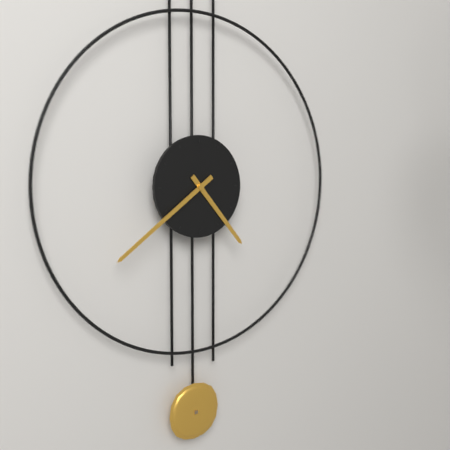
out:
4 h 39 min
